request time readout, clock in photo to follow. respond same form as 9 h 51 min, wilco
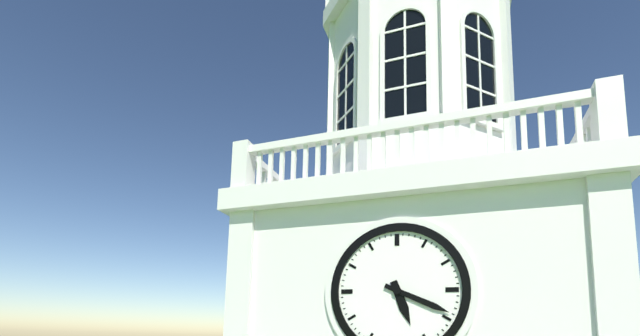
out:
5 h 19 min
